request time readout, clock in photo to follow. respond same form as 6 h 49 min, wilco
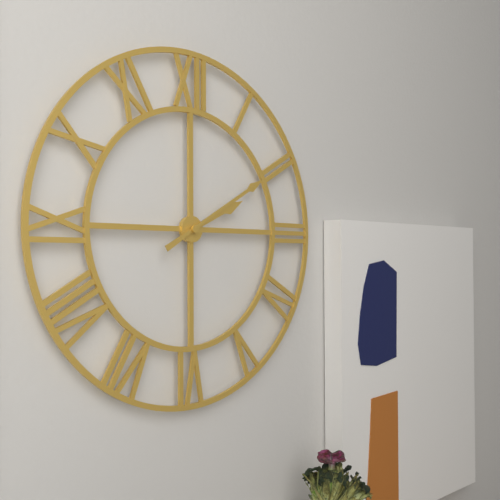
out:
2 h 10 min
